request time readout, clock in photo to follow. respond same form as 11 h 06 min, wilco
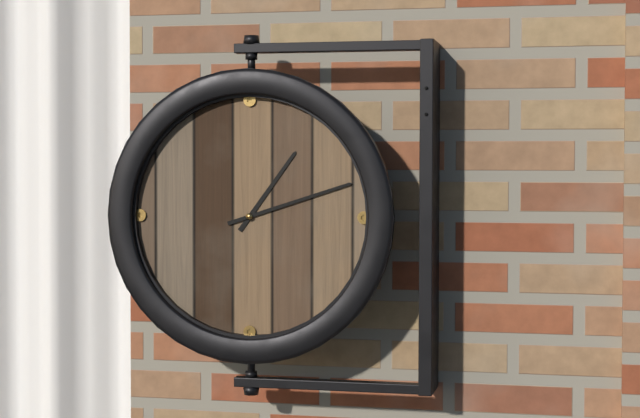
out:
1 h 12 min
